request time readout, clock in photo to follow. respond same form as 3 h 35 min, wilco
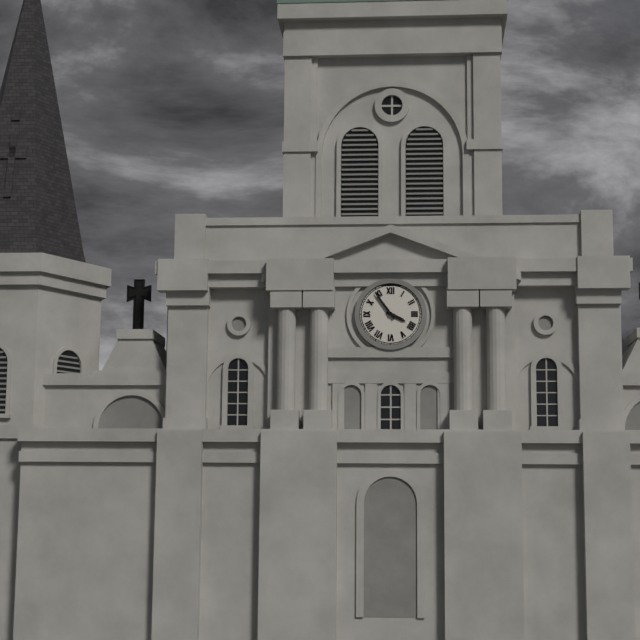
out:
3 h 54 min
